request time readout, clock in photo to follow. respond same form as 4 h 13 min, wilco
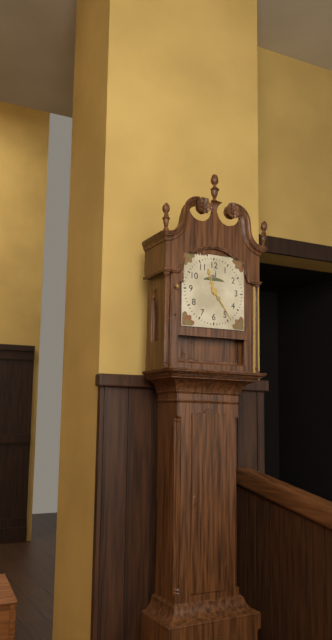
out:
11 h 24 min
